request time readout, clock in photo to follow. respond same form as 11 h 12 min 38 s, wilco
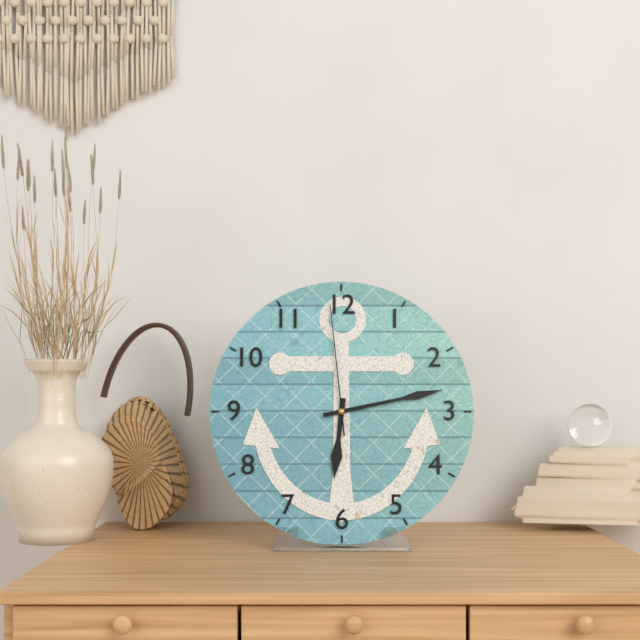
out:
6 h 13 min 59 s
